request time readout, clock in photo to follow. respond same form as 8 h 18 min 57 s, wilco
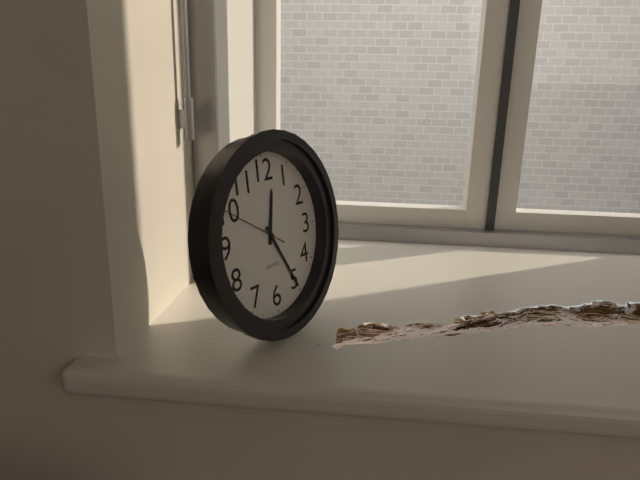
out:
12 h 25 min 50 s
